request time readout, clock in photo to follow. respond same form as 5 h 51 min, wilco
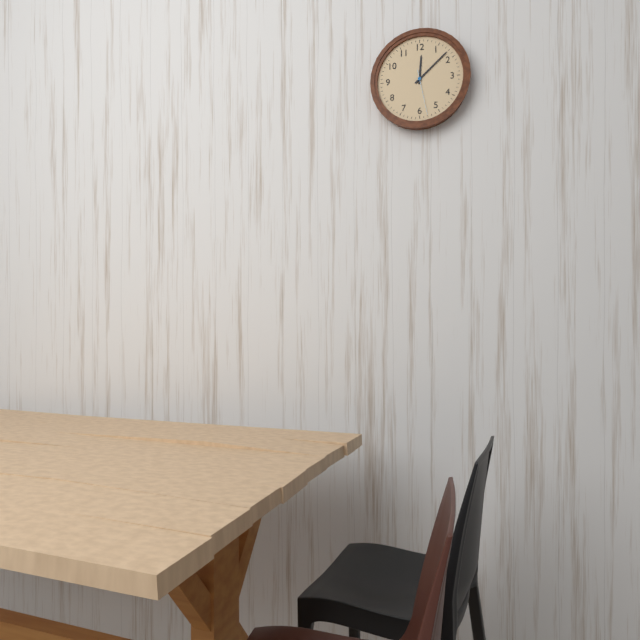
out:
12 h 08 min
